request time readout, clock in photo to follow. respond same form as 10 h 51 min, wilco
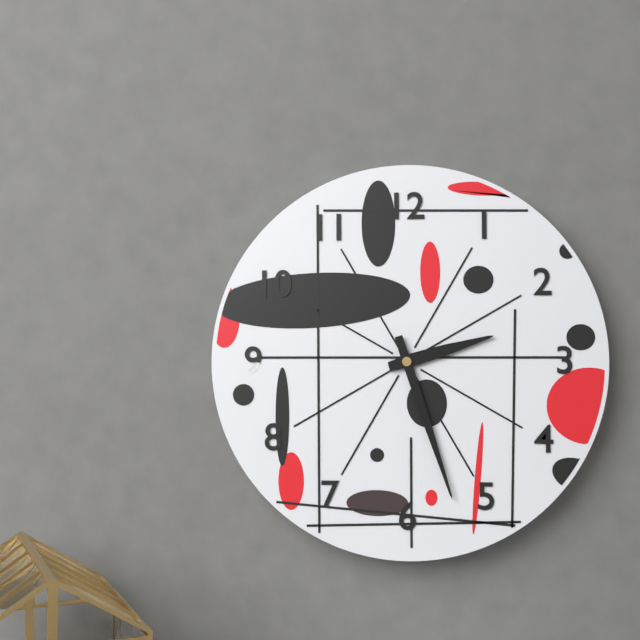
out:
2 h 27 min
